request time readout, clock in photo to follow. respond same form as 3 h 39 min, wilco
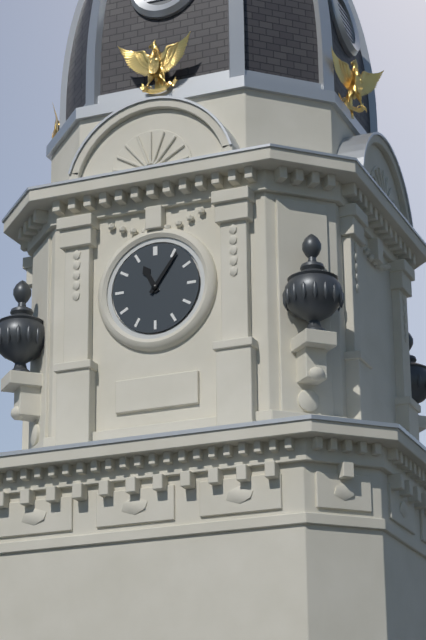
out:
11 h 06 min
